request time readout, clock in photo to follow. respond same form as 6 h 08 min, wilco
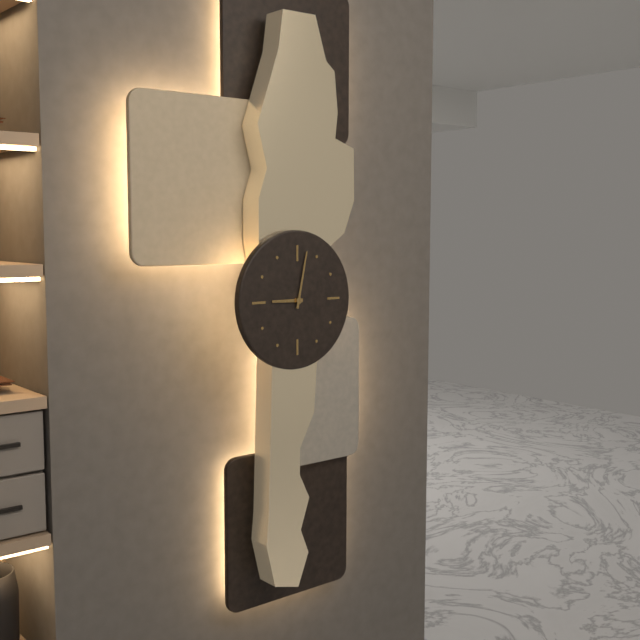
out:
9 h 02 min
